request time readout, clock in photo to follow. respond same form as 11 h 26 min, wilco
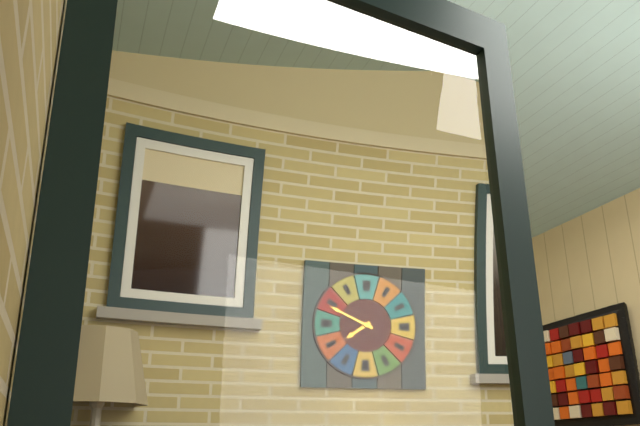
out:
7 h 49 min
